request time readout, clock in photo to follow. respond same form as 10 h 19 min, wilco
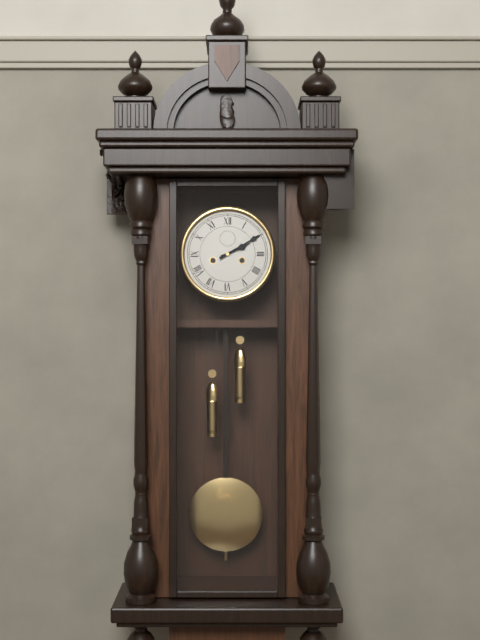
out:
2 h 10 min
